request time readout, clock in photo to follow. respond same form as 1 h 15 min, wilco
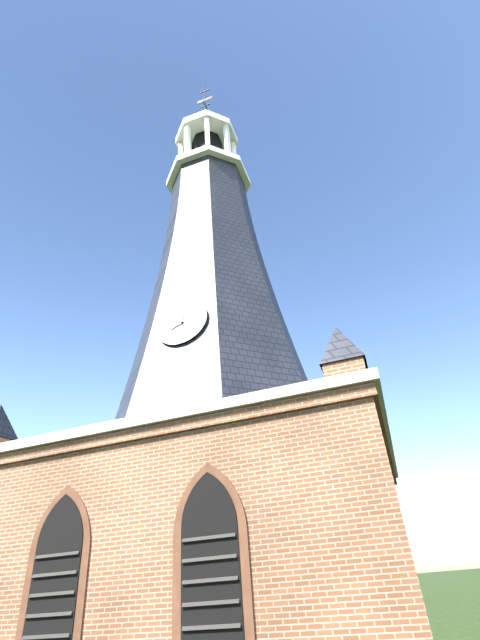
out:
8 h 01 min
